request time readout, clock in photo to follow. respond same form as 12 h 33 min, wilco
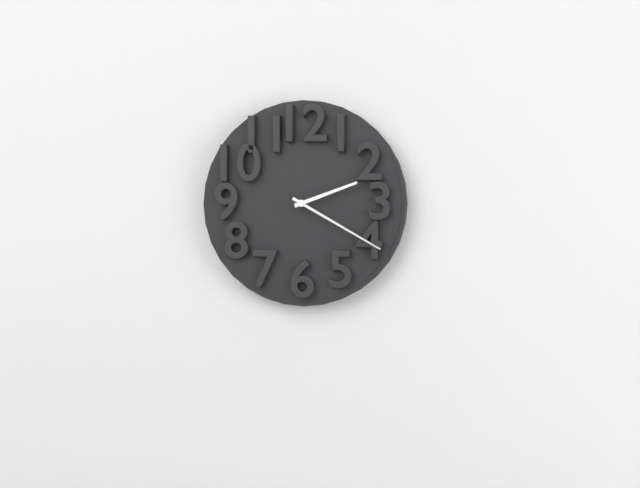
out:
2 h 20 min
